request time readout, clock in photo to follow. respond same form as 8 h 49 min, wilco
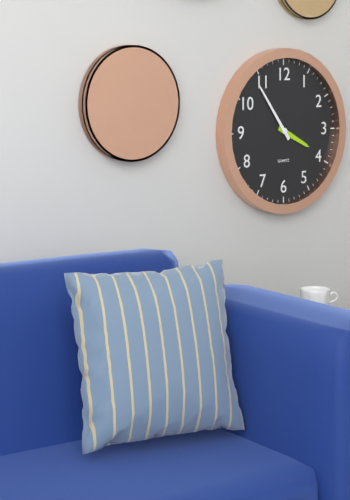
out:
3 h 54 min
